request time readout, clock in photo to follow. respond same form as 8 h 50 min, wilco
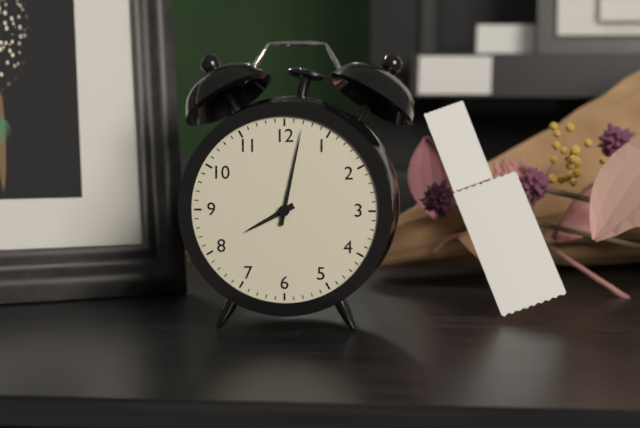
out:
8 h 02 min
